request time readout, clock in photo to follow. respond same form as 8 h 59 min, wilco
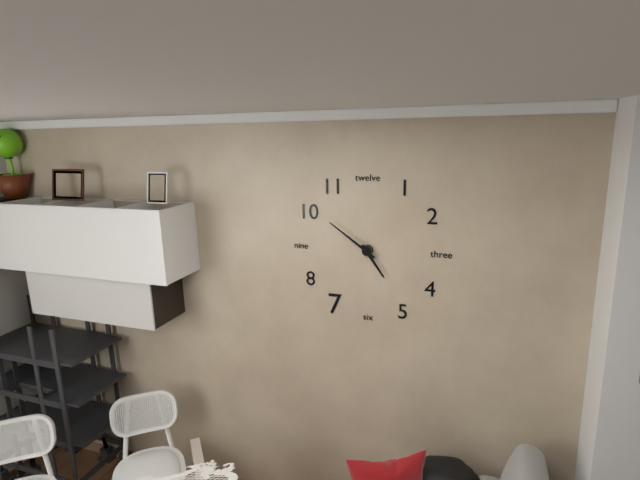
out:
4 h 51 min
